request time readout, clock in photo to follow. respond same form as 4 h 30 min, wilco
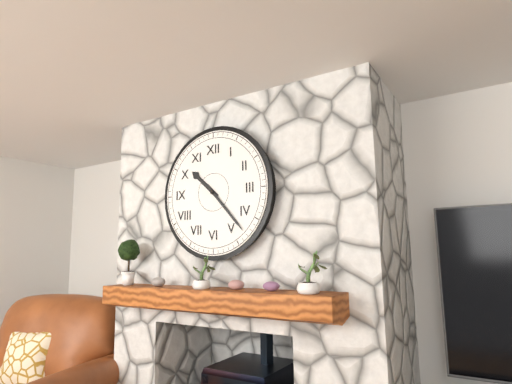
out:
10 h 23 min
